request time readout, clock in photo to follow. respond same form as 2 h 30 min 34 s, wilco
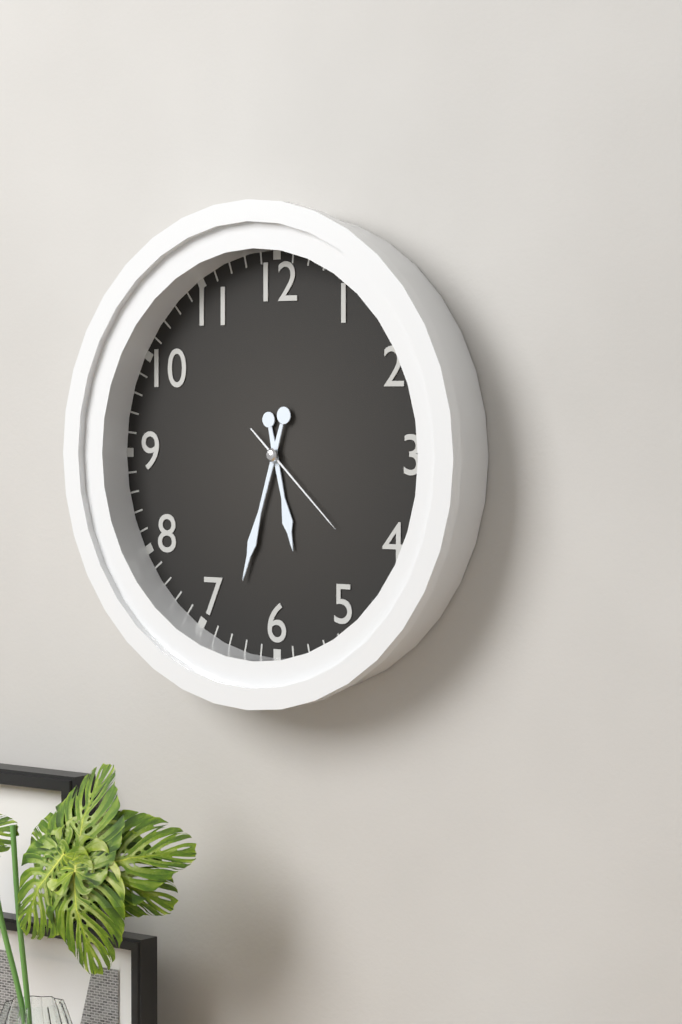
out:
5 h 33 min 22 s
